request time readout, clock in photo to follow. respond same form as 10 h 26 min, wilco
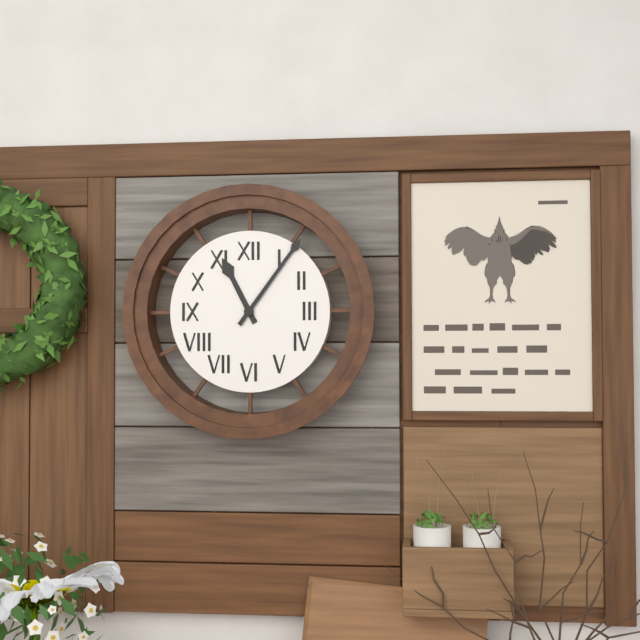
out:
11 h 06 min
